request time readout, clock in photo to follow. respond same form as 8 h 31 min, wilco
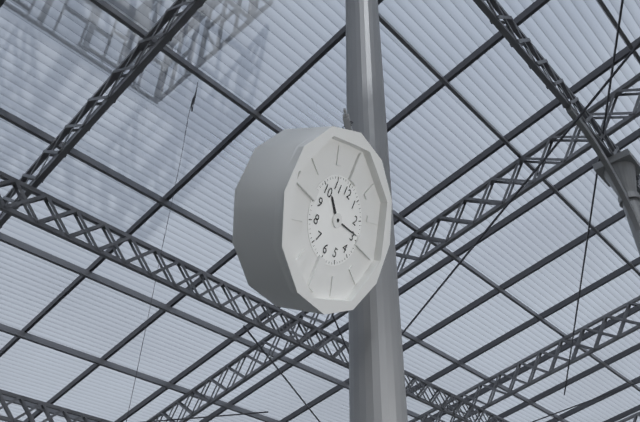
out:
10 h 14 min
